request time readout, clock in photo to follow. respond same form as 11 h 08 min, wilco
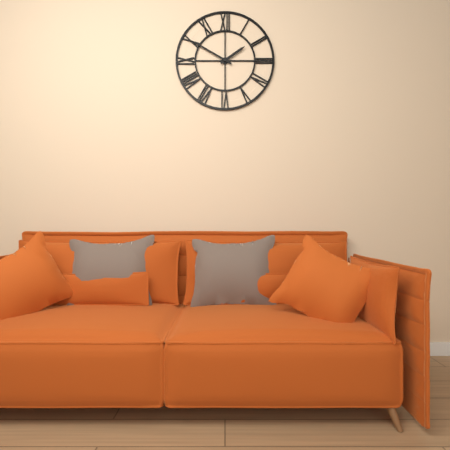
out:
1 h 50 min
